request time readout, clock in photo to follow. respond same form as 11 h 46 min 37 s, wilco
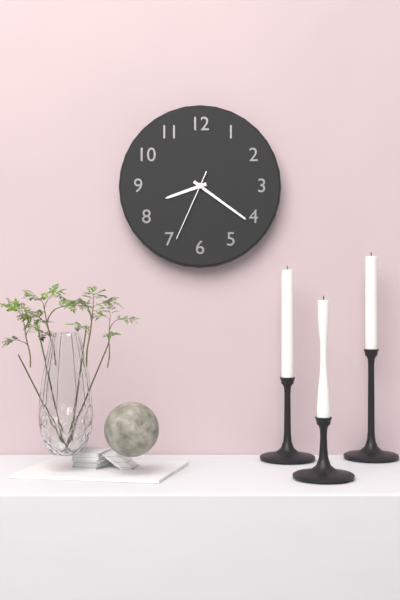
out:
8 h 21 min 34 s
